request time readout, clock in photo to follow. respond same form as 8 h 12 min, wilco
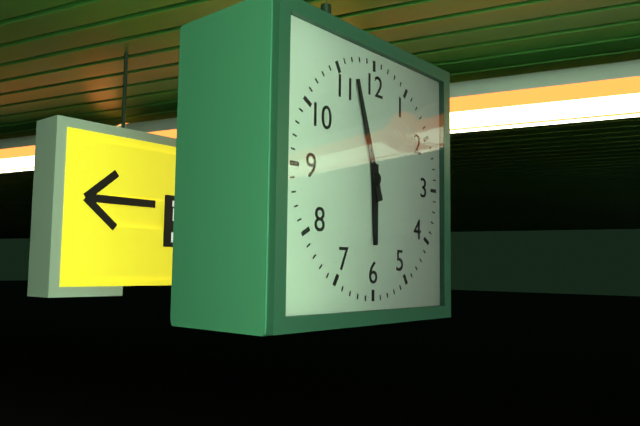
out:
5 h 57 min
